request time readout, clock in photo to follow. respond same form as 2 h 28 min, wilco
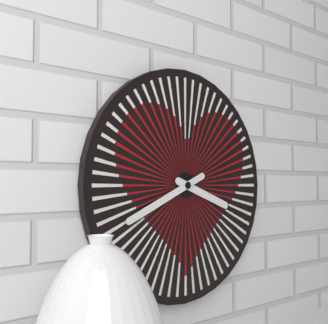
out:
3 h 41 min
